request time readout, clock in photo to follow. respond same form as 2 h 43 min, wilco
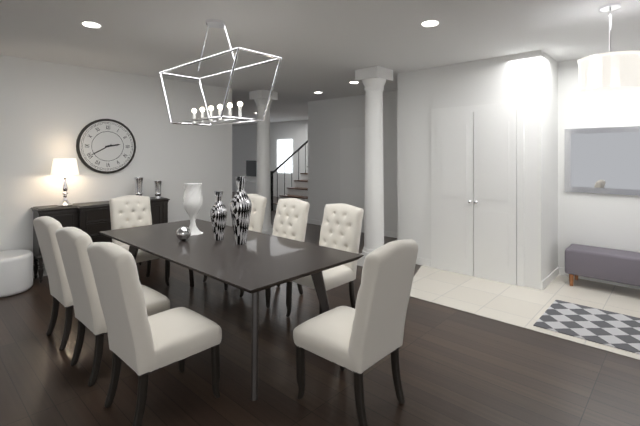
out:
2 h 40 min
